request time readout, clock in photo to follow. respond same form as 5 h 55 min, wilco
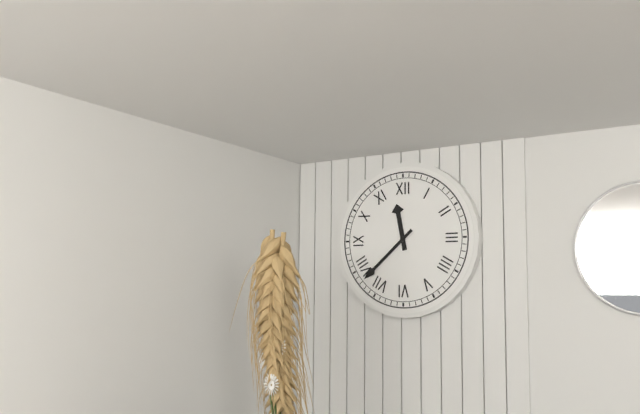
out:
11 h 38 min
